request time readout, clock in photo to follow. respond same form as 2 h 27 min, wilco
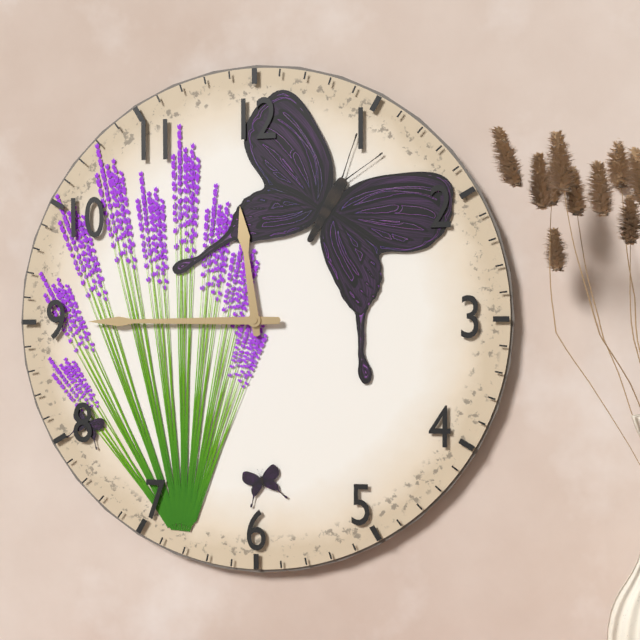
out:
11 h 45 min
